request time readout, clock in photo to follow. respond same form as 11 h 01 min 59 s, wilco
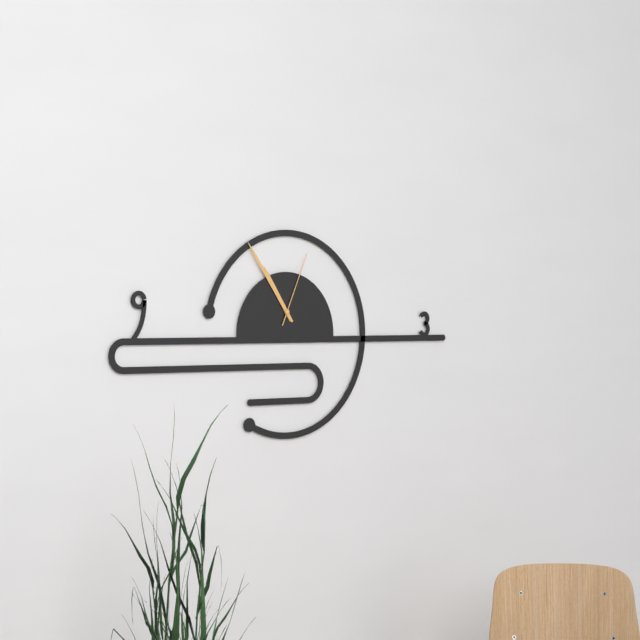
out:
10 h 54 min 04 s
